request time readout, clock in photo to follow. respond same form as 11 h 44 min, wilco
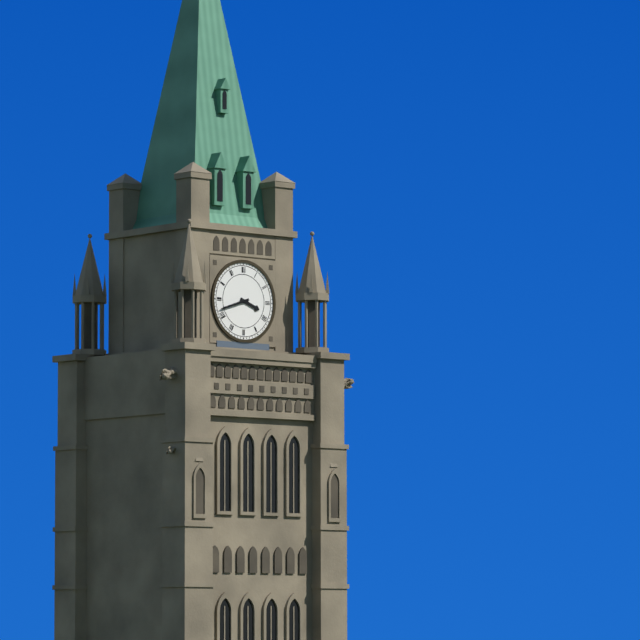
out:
3 h 42 min
